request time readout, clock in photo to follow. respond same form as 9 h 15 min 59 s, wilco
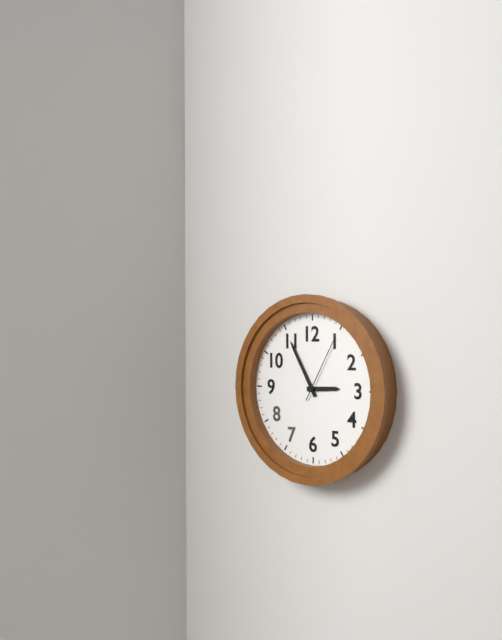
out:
2 h 55 min 05 s
